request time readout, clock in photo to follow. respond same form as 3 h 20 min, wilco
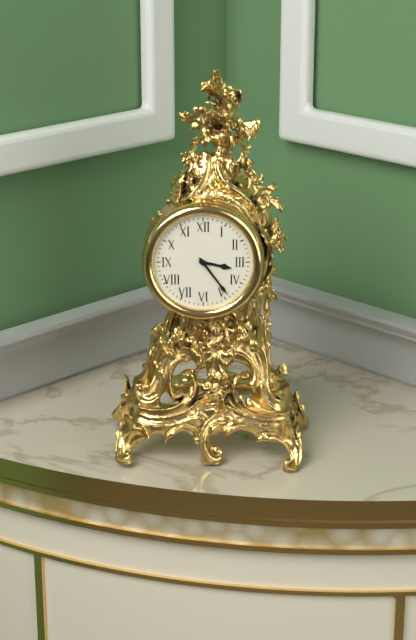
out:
3 h 24 min
